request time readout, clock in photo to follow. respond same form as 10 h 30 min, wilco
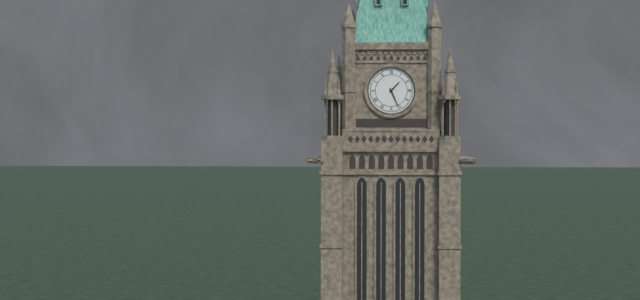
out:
1 h 26 min
